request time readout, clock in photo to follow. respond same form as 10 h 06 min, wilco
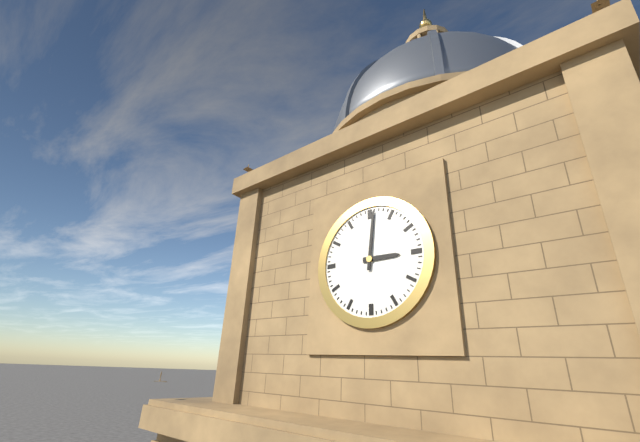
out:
3 h 01 min
